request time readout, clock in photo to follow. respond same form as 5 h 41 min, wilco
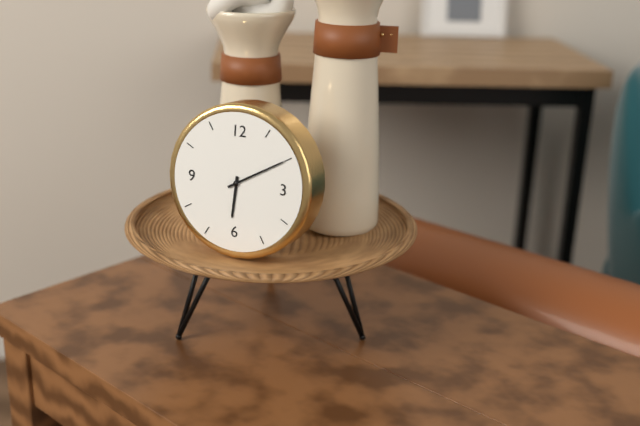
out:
6 h 10 min
